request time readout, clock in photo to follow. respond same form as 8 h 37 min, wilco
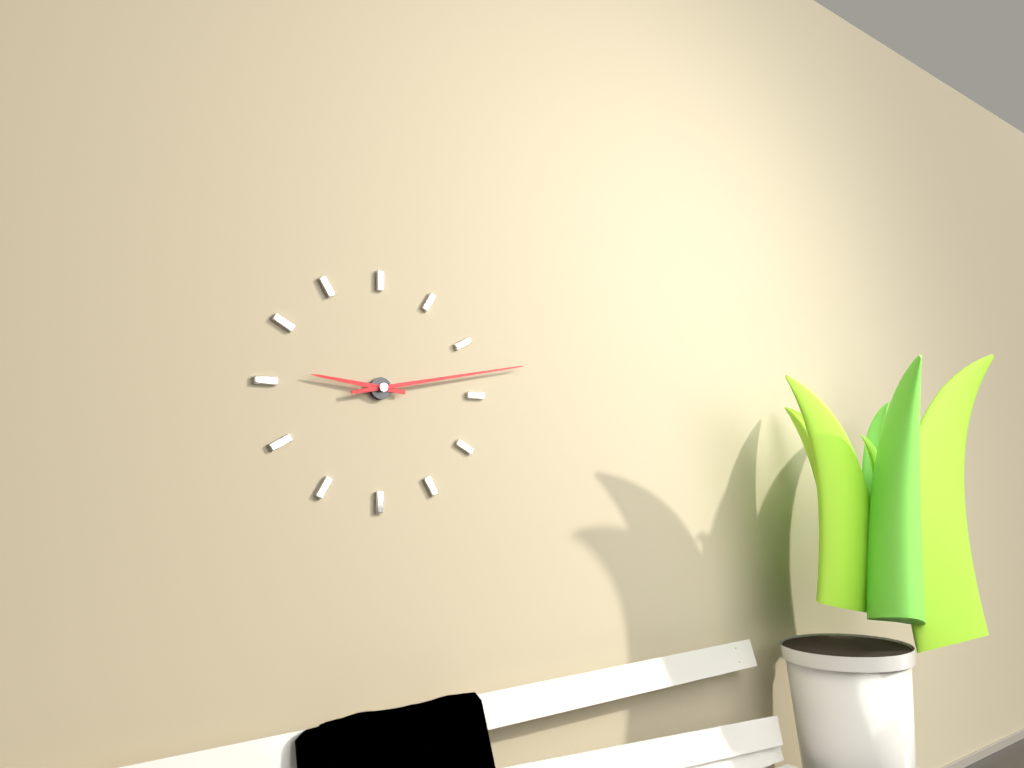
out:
9 h 13 min
